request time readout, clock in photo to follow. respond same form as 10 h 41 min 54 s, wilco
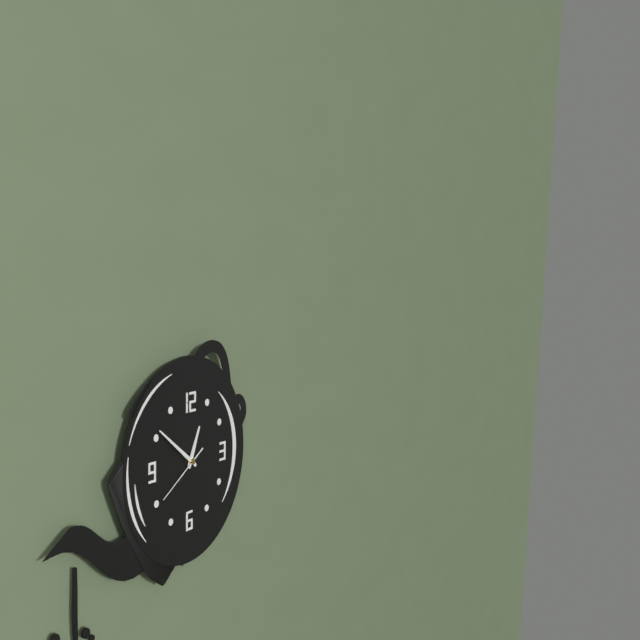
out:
12 h 51 min 40 s
